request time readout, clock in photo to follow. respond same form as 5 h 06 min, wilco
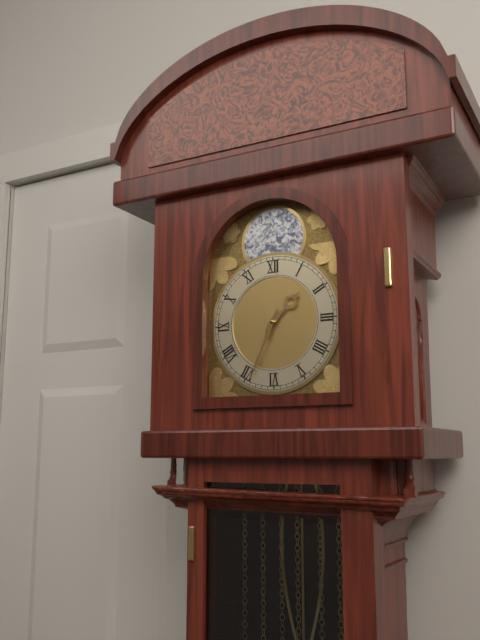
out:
1 h 34 min
